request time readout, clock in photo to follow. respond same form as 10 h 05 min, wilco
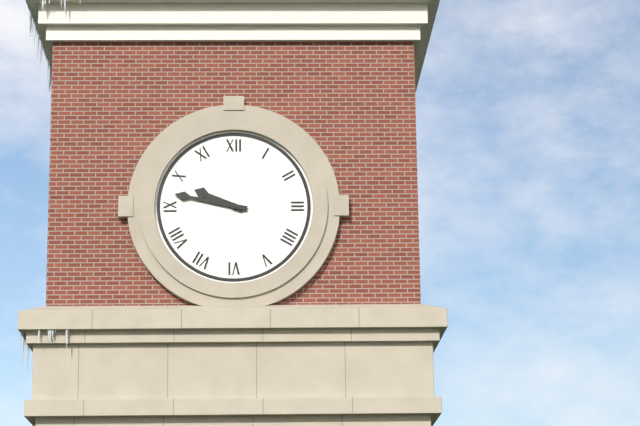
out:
9 h 47 min
